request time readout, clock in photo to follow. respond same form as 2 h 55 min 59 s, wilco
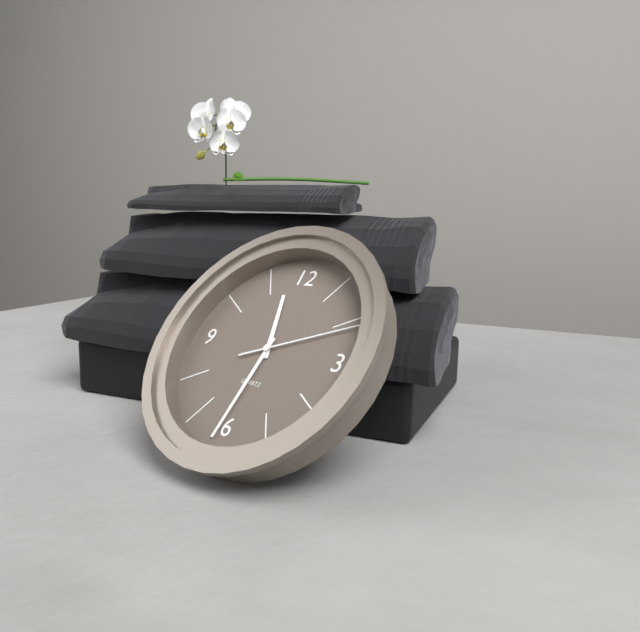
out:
11 h 31 min 11 s
